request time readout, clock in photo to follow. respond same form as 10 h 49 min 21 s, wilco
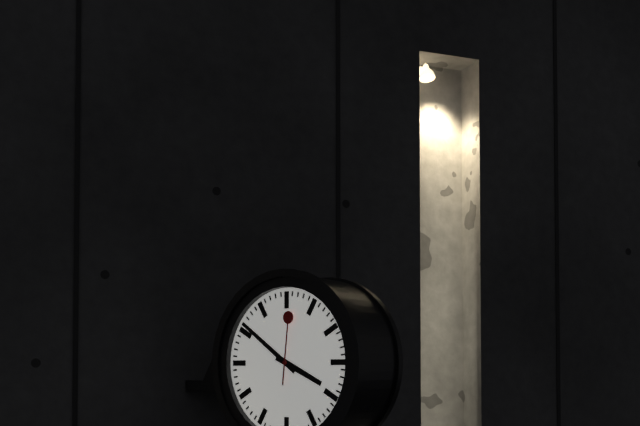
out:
3 h 51 min 01 s
